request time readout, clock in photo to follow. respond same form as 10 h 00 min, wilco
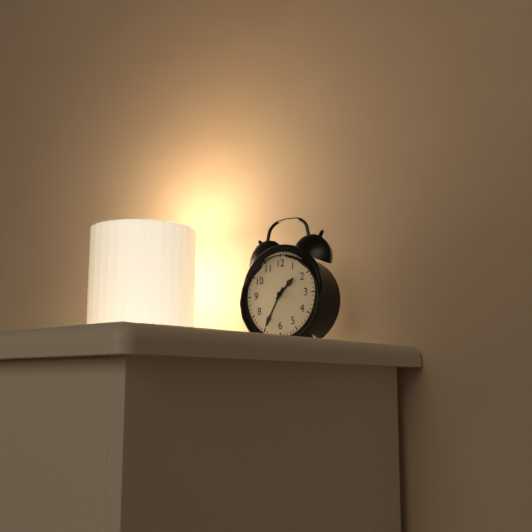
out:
1 h 35 min
